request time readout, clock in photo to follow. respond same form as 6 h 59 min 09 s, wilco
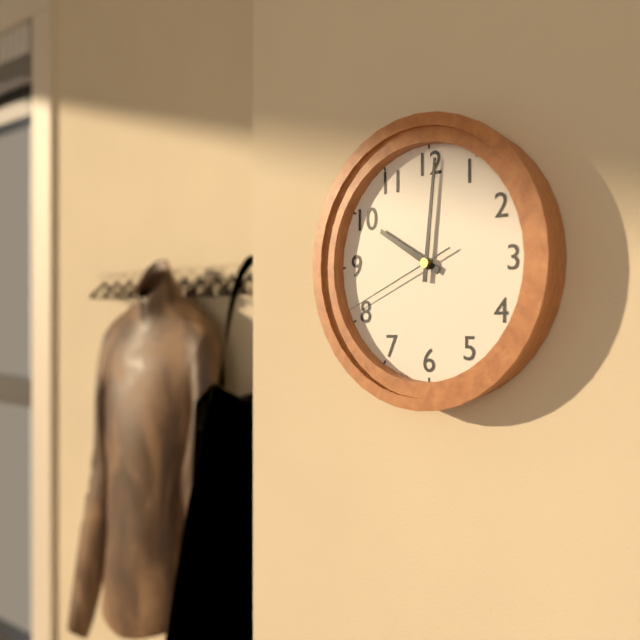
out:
10 h 01 min 41 s
